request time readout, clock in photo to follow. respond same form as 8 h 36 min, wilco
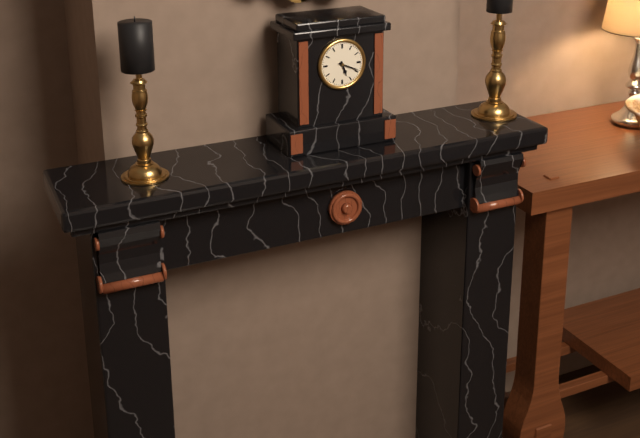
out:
5 h 19 min
